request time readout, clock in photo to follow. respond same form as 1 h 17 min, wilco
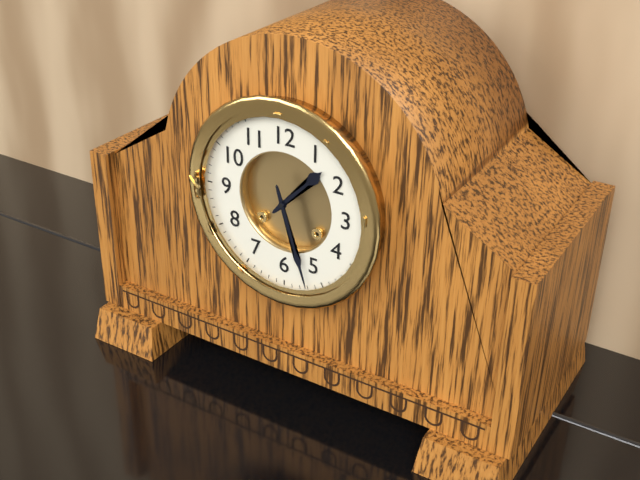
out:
1 h 27 min
